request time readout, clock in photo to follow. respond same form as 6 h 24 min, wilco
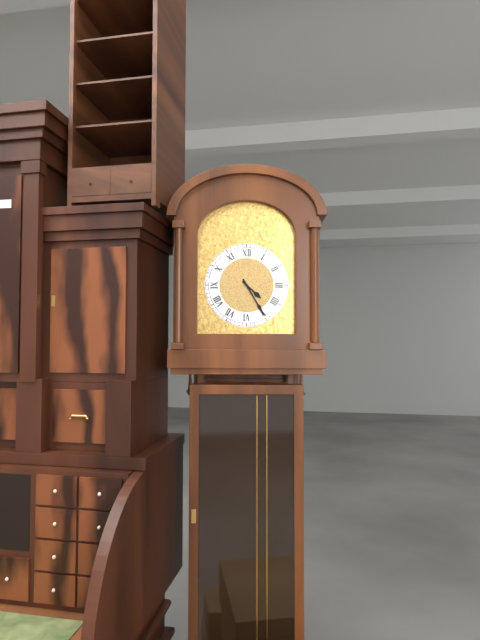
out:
4 h 25 min
